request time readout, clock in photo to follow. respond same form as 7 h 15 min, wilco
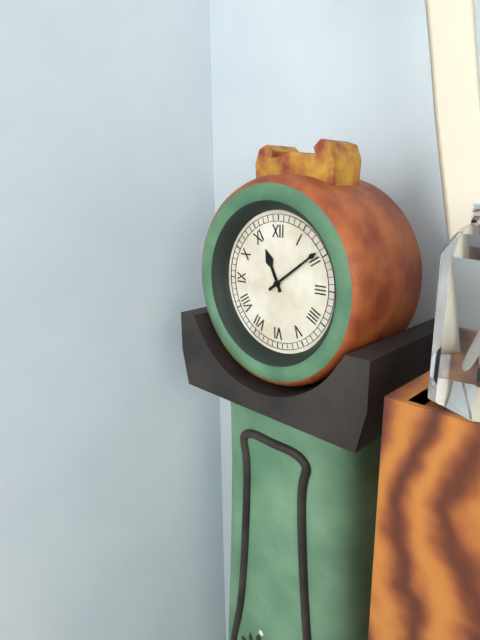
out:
11 h 09 min
